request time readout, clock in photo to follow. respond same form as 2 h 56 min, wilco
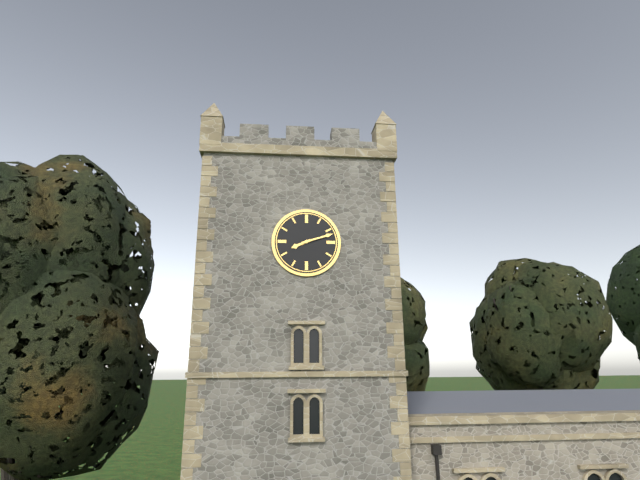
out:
8 h 12 min
